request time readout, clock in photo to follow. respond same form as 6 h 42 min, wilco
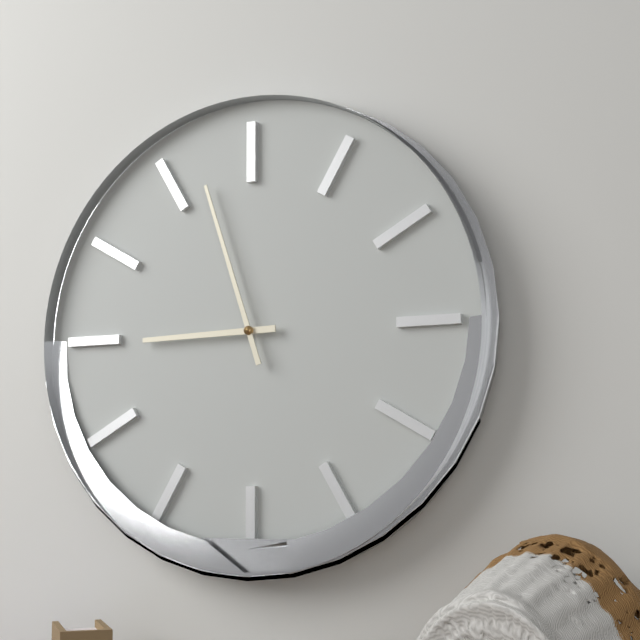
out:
8 h 57 min
